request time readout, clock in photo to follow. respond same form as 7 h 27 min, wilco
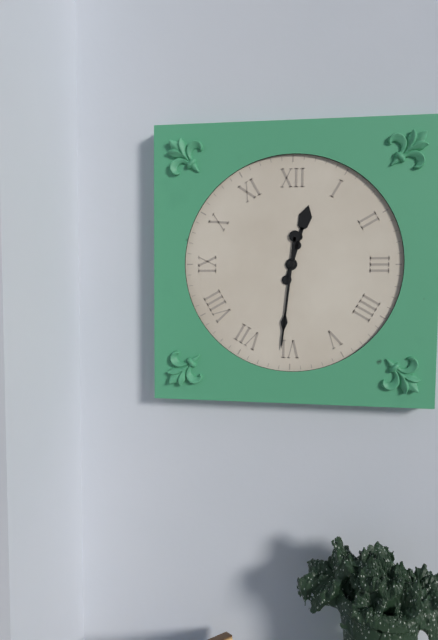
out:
12 h 31 min
